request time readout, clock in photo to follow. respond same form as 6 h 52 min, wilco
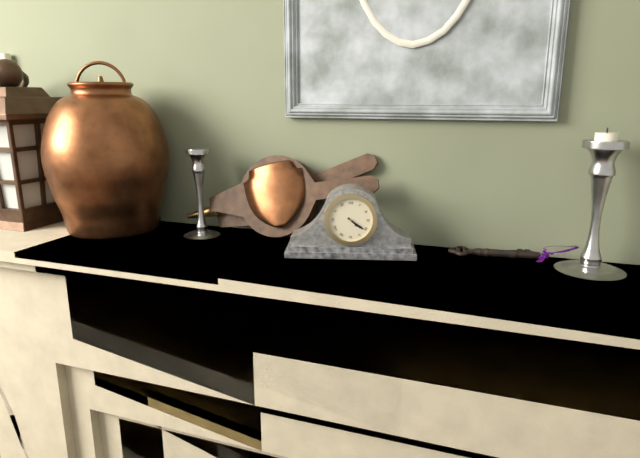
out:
4 h 21 min
